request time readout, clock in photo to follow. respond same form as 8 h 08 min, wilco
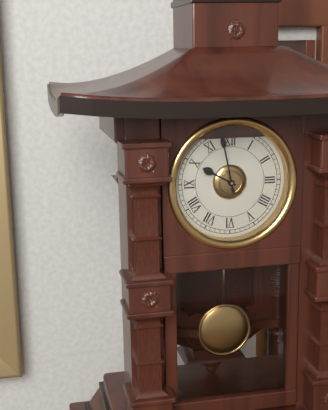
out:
9 h 58 min
